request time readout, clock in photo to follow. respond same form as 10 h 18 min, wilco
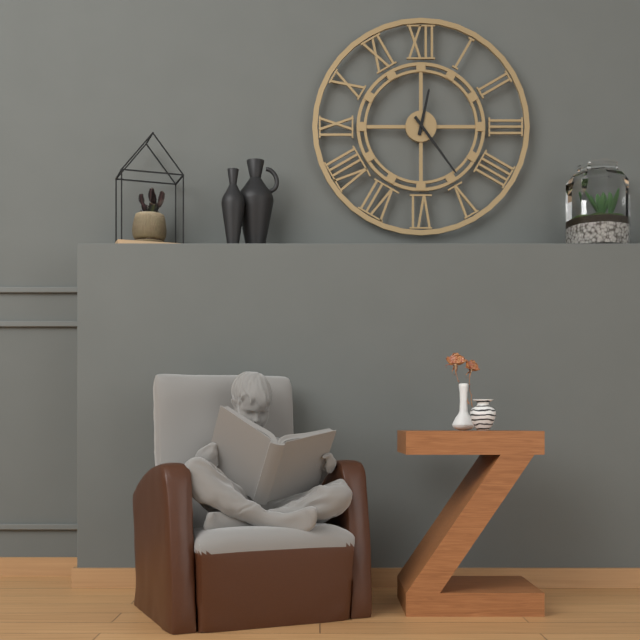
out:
12 h 24 min
